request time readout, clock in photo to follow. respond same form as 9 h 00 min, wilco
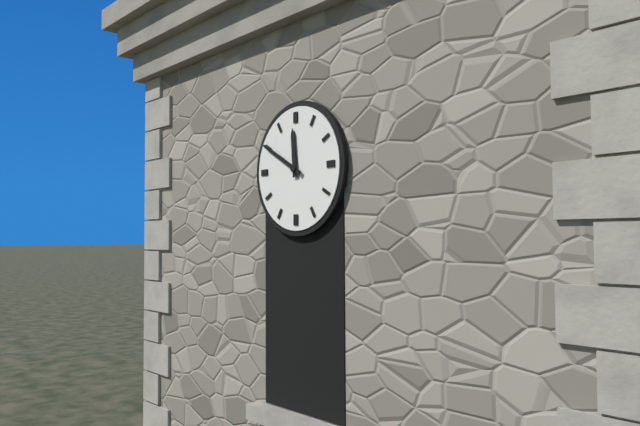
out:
11 h 50 min
